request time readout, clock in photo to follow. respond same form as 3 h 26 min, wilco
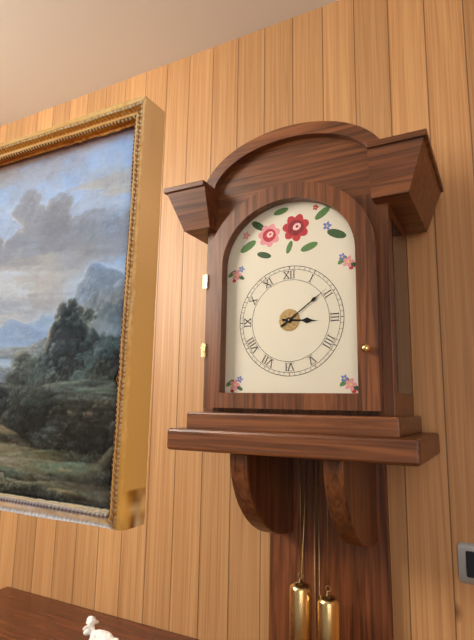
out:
3 h 09 min
